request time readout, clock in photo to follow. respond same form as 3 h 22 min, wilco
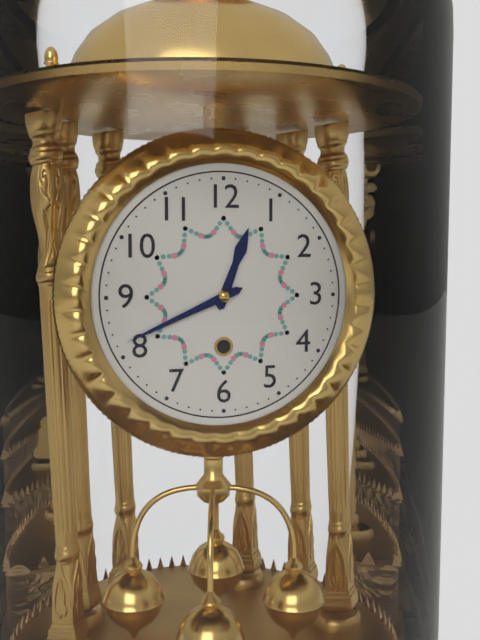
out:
12 h 41 min
